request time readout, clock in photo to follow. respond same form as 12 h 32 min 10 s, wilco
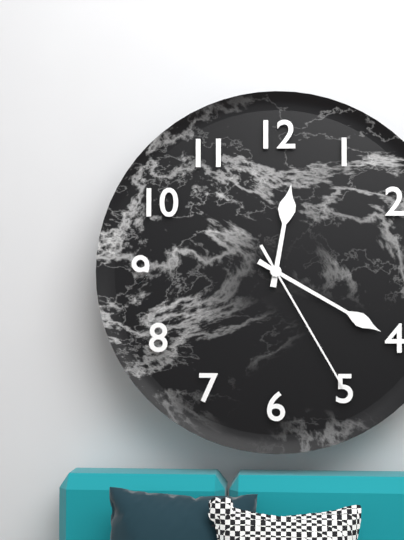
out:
12 h 20 min 25 s
